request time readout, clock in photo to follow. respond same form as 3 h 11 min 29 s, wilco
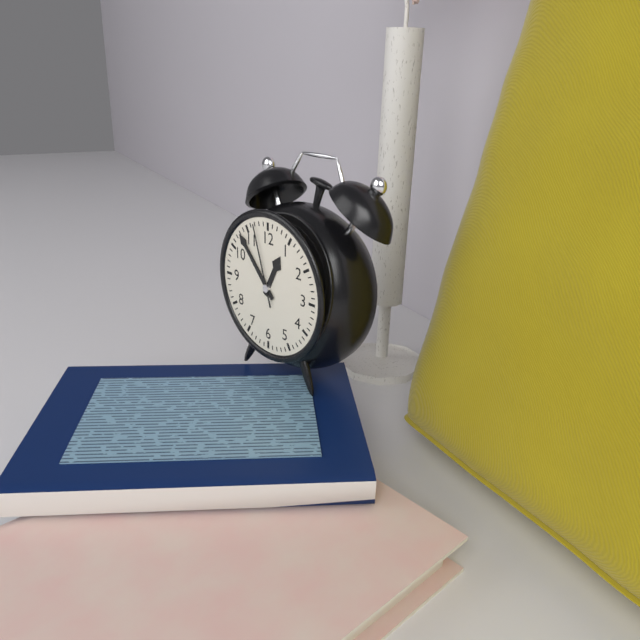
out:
12 h 53 min 57 s
